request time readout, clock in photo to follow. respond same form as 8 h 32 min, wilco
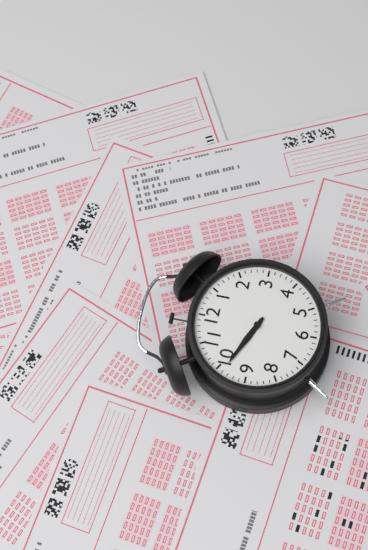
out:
9 h 49 min
